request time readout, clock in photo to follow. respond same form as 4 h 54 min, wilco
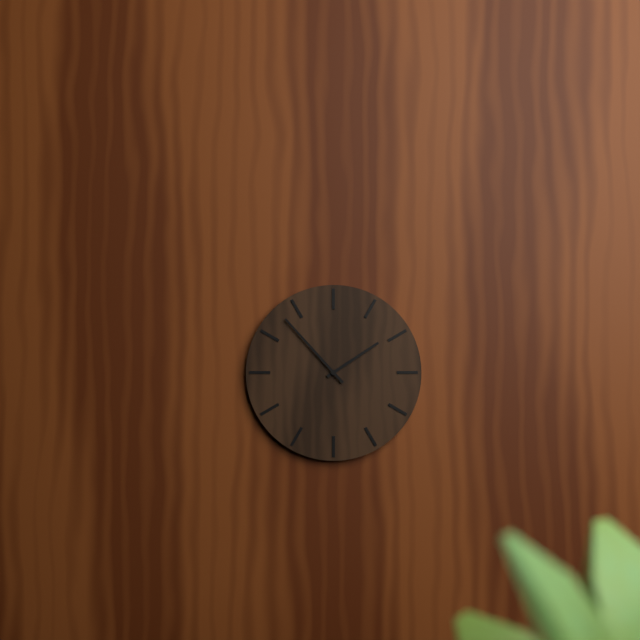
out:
1 h 53 min
